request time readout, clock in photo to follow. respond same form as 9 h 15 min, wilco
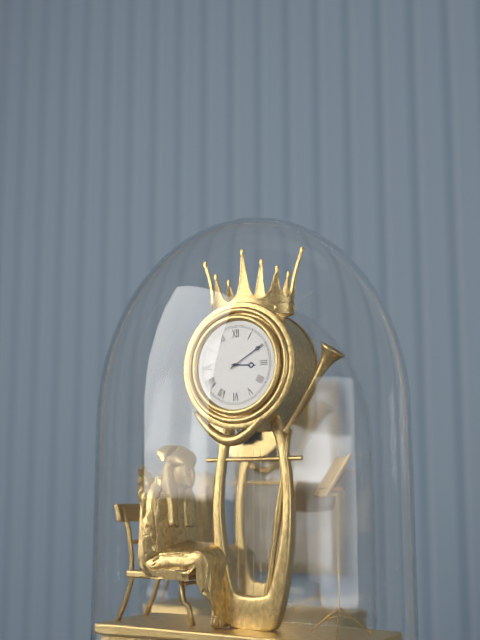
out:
3 h 10 min
